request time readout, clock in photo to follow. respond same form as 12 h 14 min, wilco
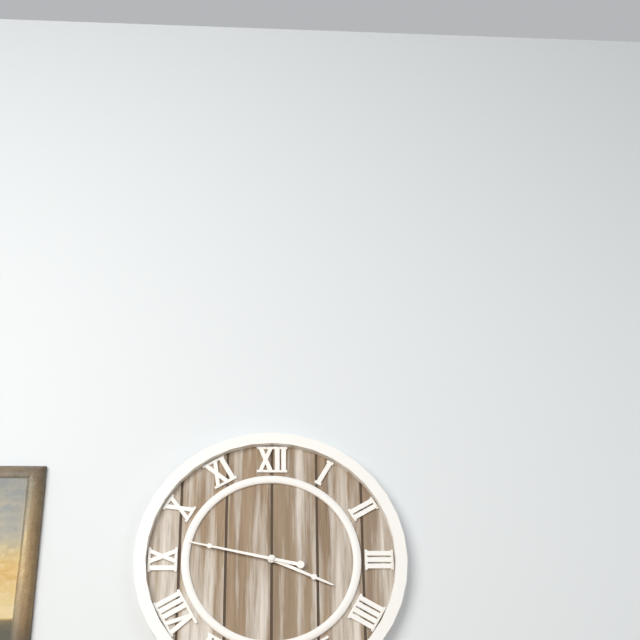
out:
3 h 47 min
